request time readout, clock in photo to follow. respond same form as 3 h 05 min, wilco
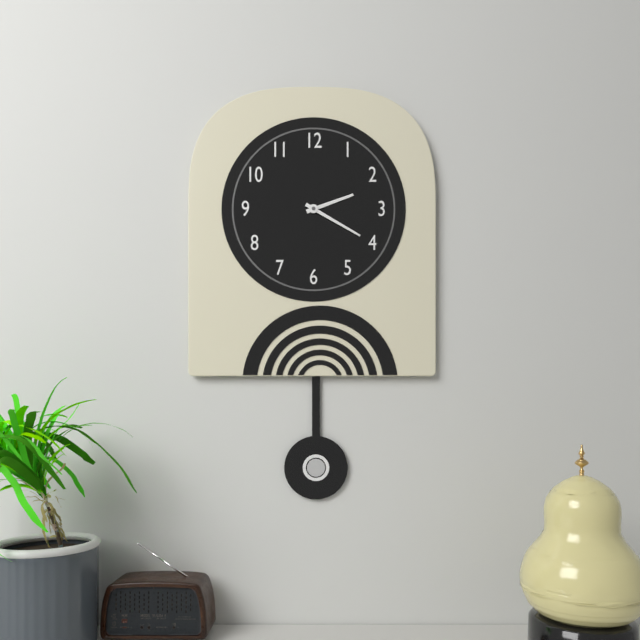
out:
2 h 20 min
